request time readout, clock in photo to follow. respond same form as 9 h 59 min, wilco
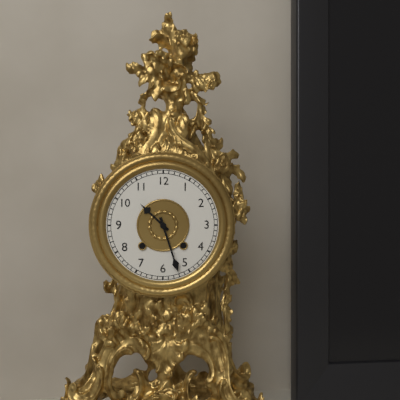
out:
10 h 27 min
